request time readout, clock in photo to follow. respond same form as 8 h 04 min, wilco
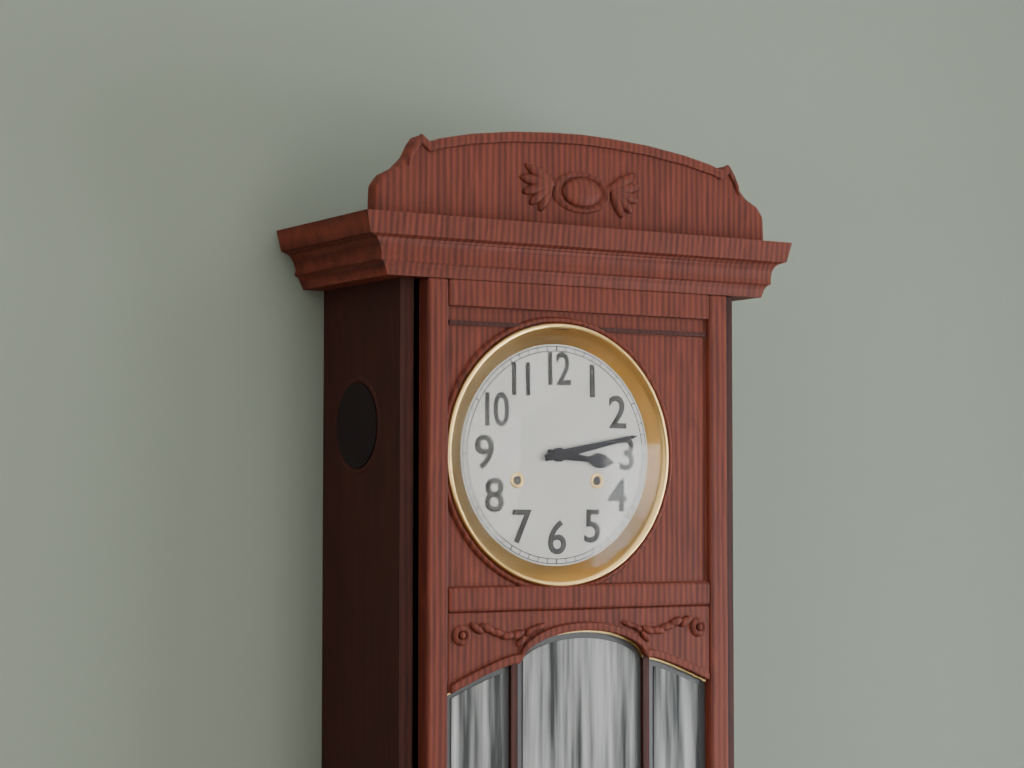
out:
3 h 13 min
